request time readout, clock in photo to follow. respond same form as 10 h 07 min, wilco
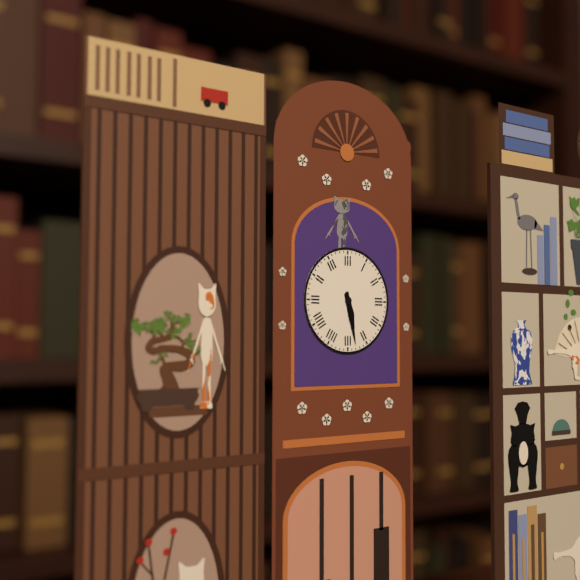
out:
5 h 28 min
